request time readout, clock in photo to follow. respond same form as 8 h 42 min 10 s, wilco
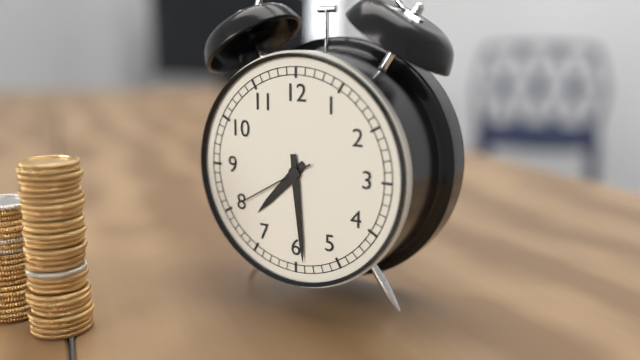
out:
7 h 29 min 40 s
